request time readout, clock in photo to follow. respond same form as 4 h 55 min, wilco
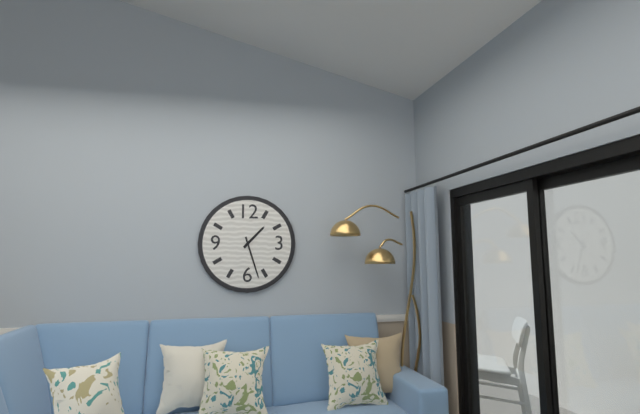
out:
1 h 27 min
